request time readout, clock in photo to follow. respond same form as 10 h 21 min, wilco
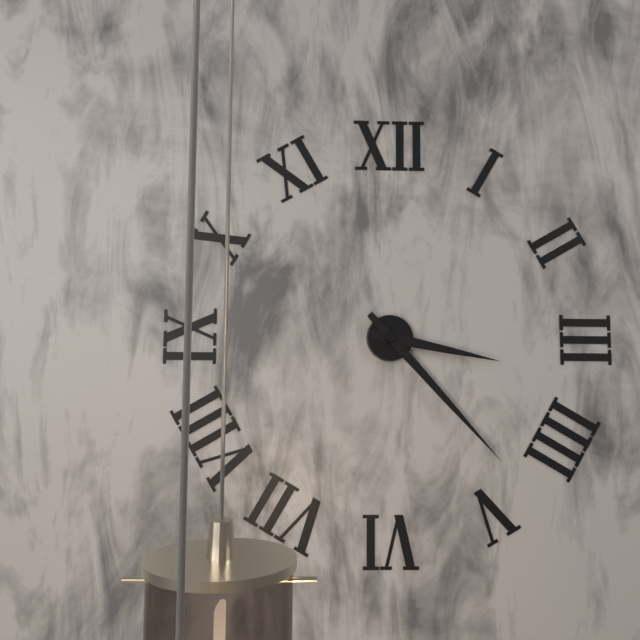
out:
3 h 23 min
